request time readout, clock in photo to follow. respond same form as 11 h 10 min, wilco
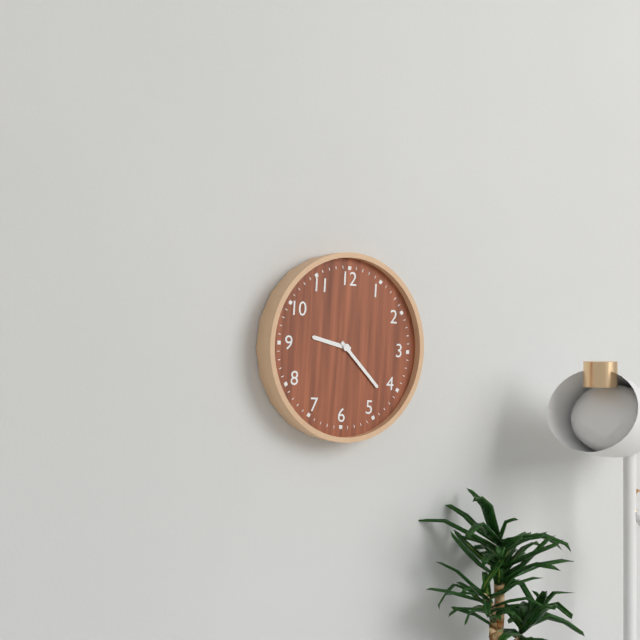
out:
9 h 22 min
